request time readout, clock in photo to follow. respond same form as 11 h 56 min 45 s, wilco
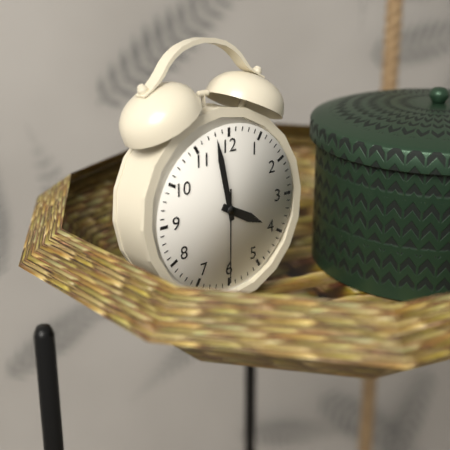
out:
3 h 58 min 30 s
